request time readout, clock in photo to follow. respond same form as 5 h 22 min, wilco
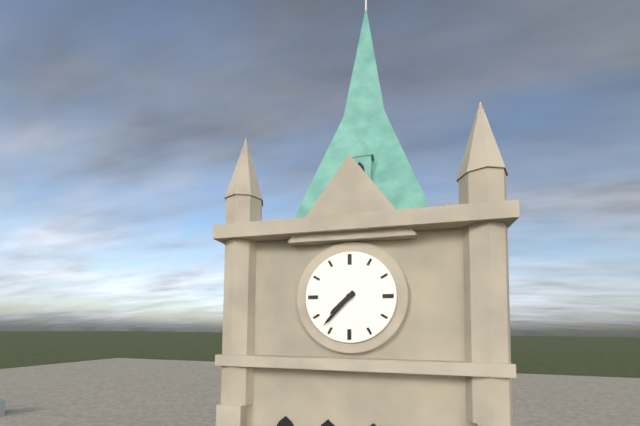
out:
7 h 37 min
